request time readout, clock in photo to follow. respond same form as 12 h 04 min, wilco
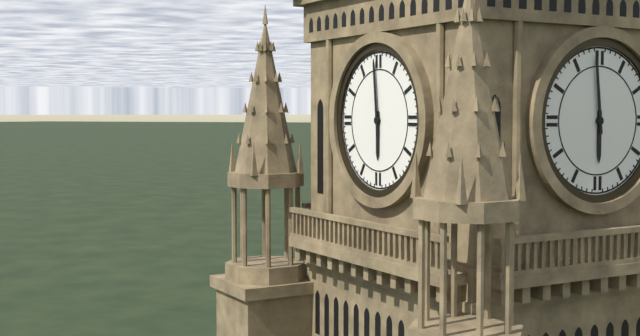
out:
5 h 59 min
